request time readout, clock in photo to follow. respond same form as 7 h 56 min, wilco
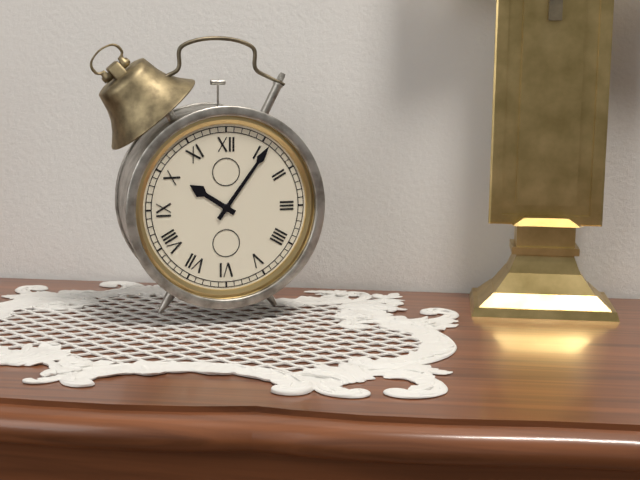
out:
10 h 06 min
